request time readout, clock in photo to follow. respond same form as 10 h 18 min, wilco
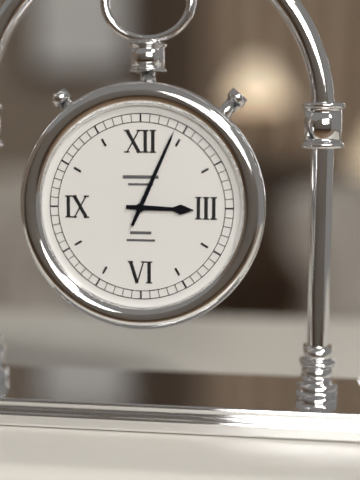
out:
3 h 04 min
